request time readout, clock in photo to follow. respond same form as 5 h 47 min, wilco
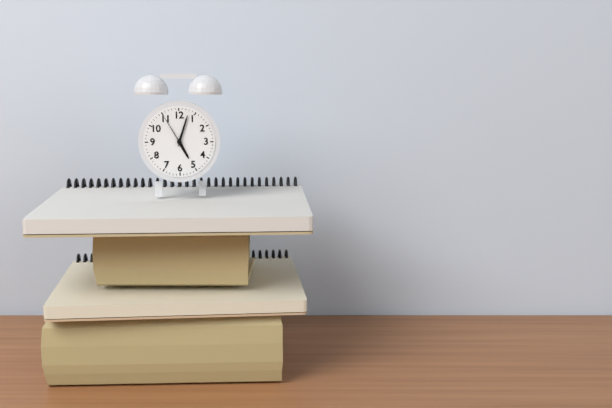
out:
5 h 03 min
